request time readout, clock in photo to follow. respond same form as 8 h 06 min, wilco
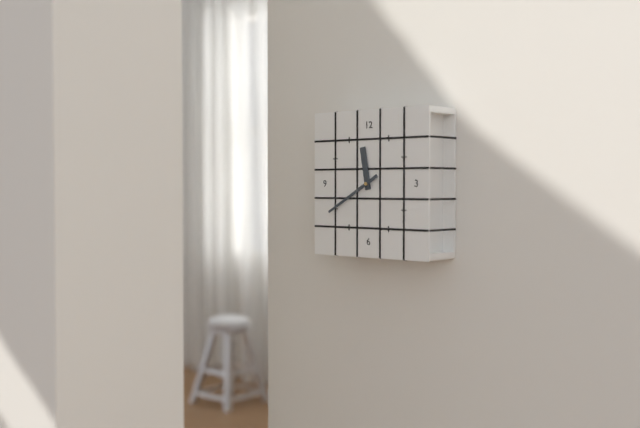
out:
11 h 40 min
